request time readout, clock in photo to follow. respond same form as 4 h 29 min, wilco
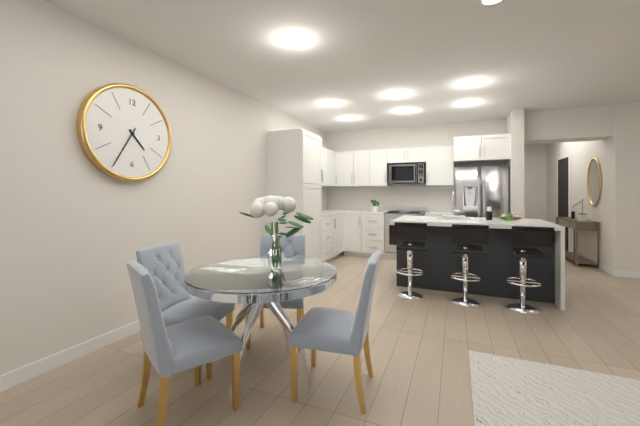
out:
4 h 35 min
